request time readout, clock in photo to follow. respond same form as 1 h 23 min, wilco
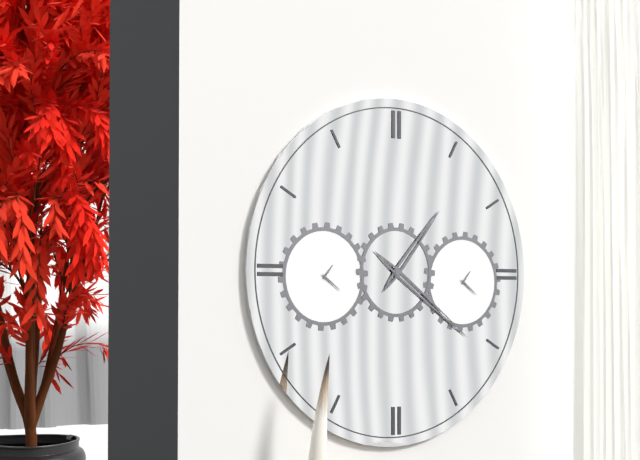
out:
1 h 21 min
